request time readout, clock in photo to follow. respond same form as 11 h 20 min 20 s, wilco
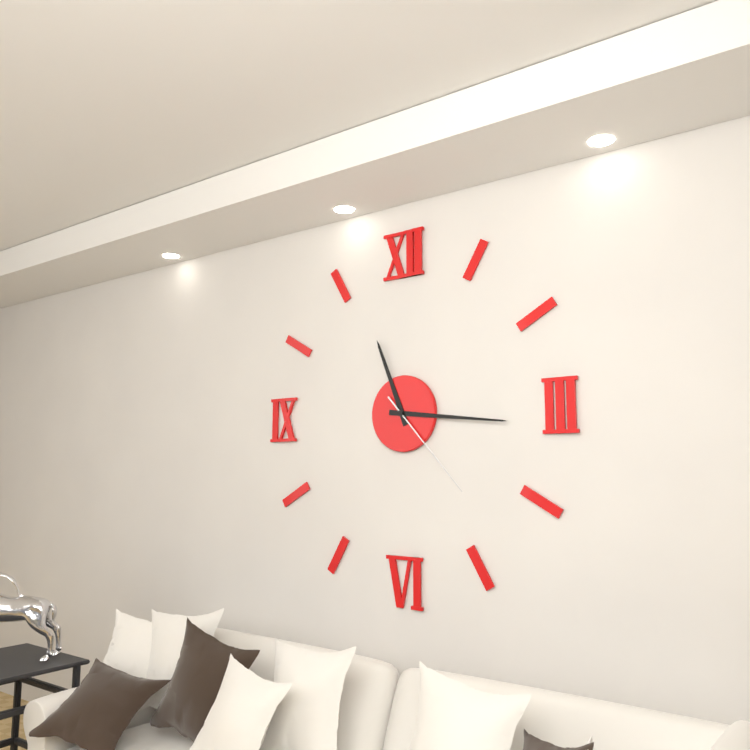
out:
11 h 16 min 23 s
